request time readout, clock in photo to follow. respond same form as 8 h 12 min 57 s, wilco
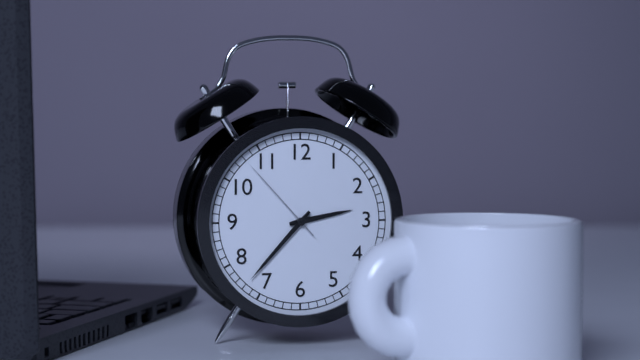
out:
2 h 37 min 53 s
